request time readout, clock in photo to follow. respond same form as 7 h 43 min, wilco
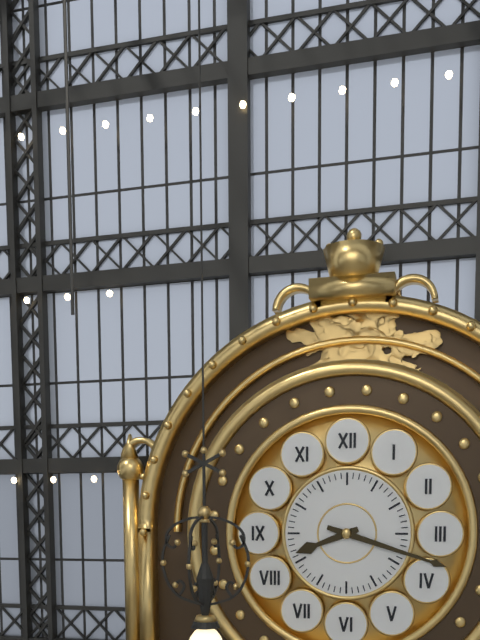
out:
8 h 18 min
